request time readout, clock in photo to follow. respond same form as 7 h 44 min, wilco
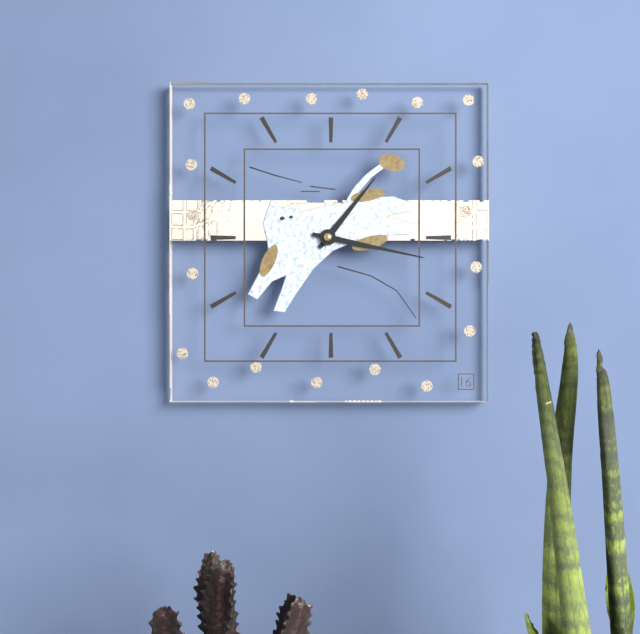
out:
1 h 17 min
